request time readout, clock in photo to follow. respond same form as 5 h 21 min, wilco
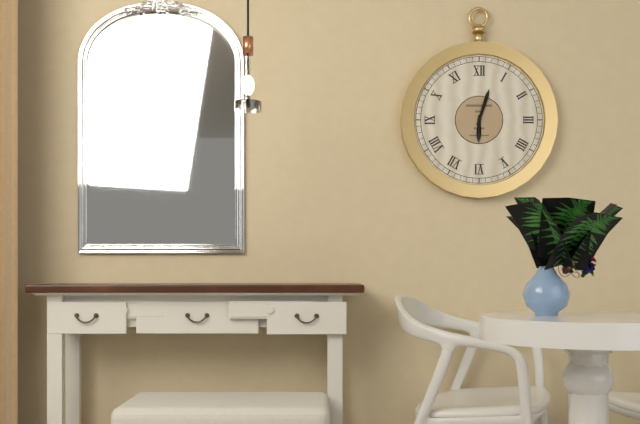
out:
6 h 03 min
